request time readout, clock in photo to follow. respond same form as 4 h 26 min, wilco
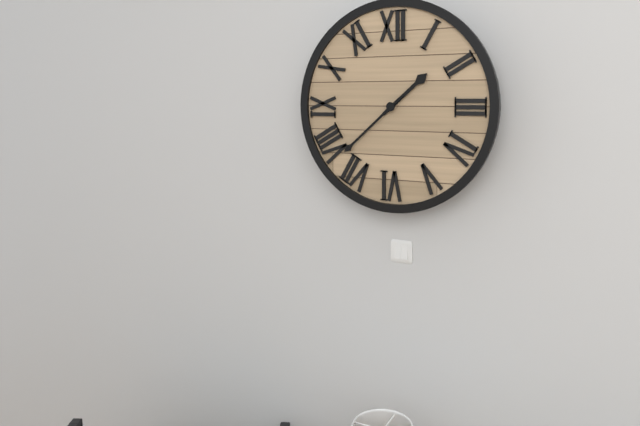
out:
1 h 38 min
